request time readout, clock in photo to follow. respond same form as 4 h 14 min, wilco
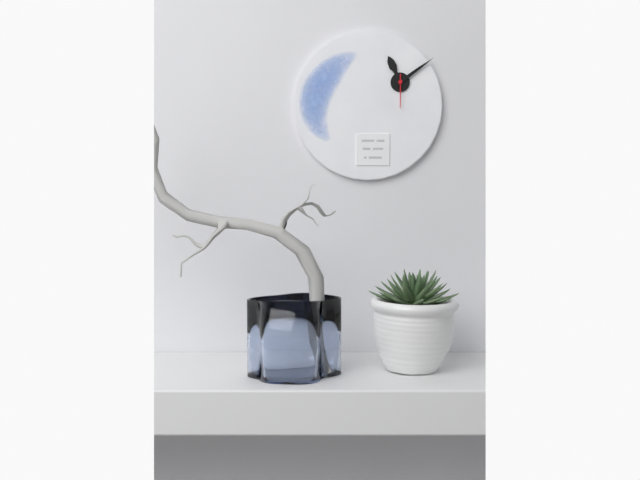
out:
11 h 09 min
